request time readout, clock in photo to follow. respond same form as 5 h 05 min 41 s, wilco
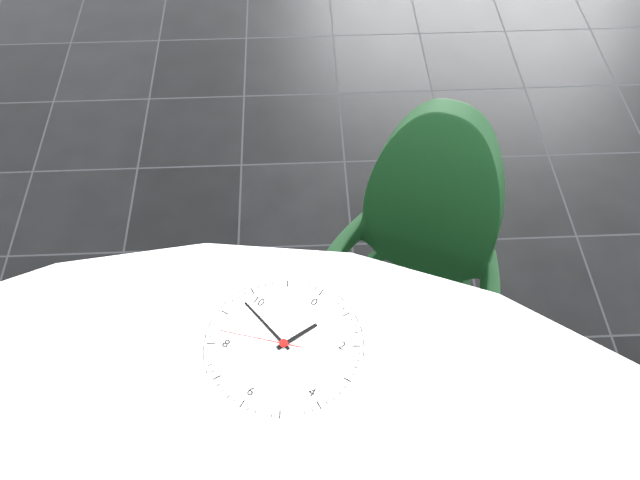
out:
12 h 48 min 42 s
